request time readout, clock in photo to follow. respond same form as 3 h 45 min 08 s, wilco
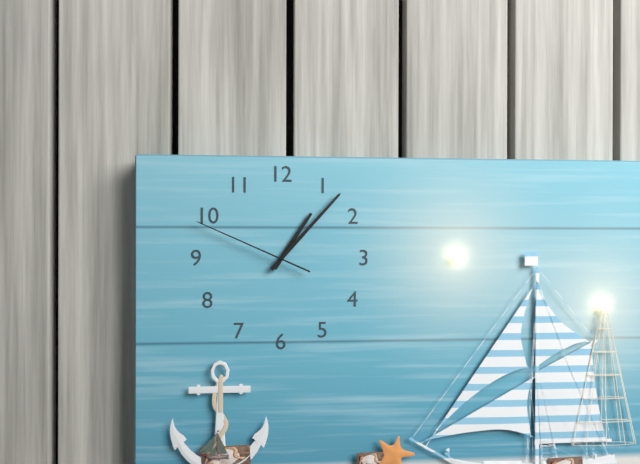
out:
1 h 07 min 49 s
